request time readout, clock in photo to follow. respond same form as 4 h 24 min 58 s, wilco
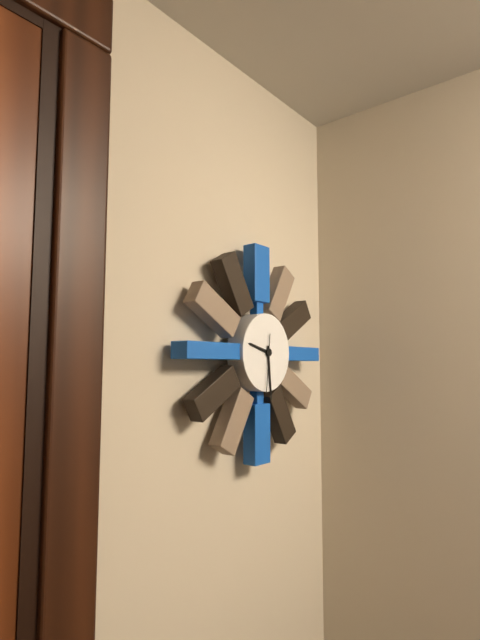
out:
9 h 29 min 31 s
